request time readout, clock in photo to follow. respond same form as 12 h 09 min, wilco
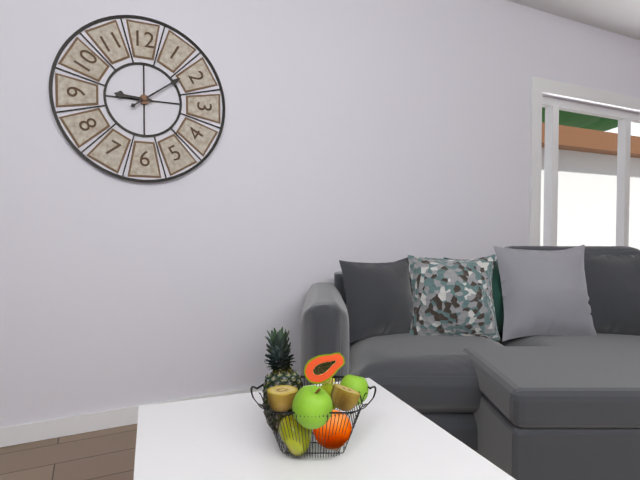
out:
9 h 09 min
